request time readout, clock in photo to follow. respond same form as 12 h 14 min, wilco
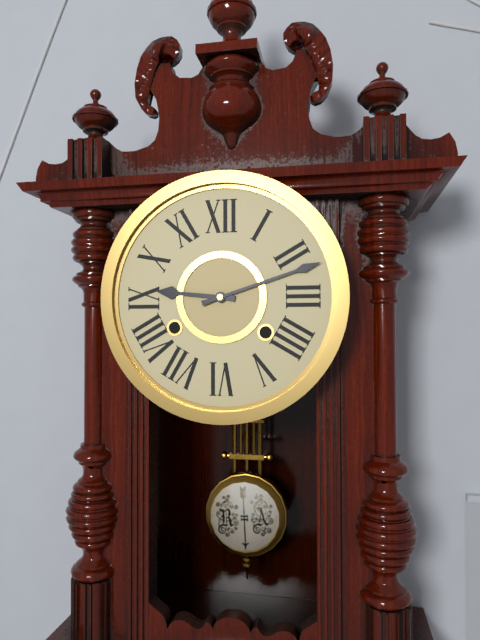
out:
9 h 12 min
